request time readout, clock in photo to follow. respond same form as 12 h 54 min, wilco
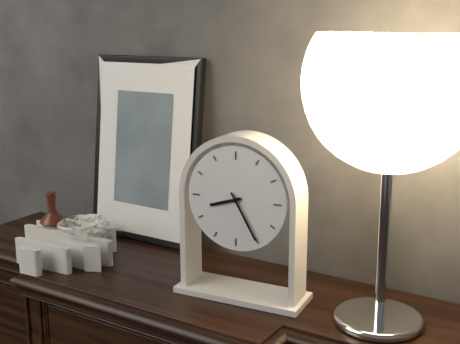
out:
8 h 25 min
